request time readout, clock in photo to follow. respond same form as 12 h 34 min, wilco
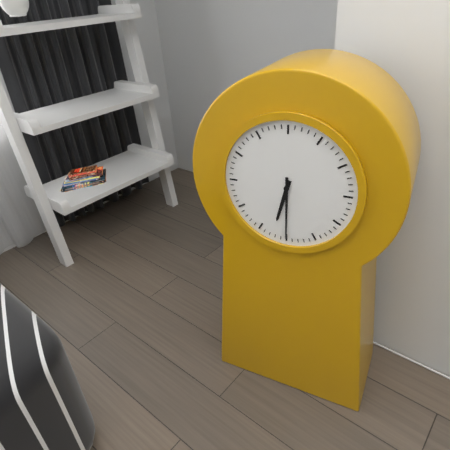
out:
6 h 30 min
